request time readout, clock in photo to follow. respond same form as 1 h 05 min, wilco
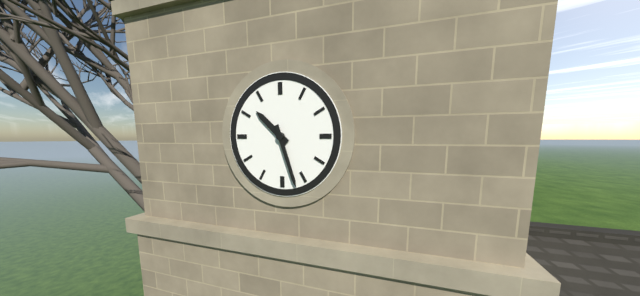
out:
10 h 27 min
